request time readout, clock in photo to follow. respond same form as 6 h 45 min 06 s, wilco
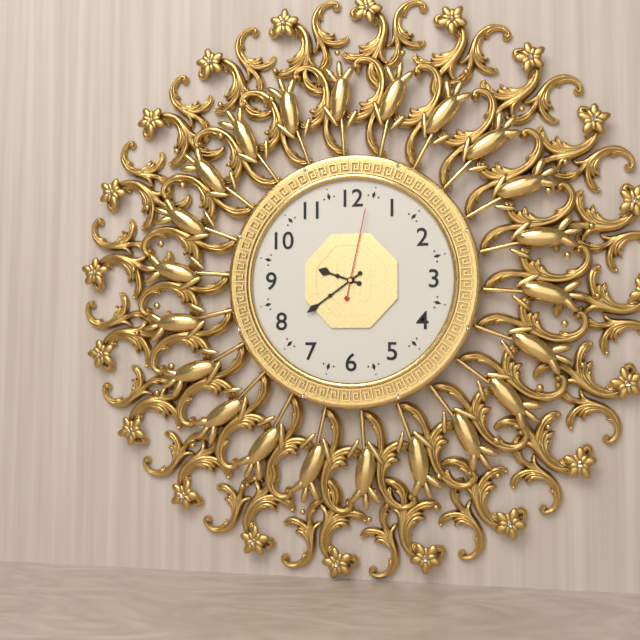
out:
9 h 39 min 02 s
